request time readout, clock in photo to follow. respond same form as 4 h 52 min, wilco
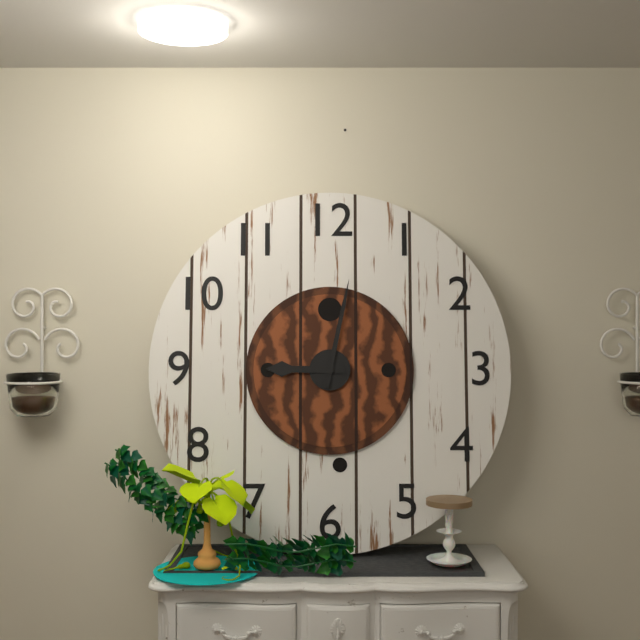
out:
9 h 02 min
